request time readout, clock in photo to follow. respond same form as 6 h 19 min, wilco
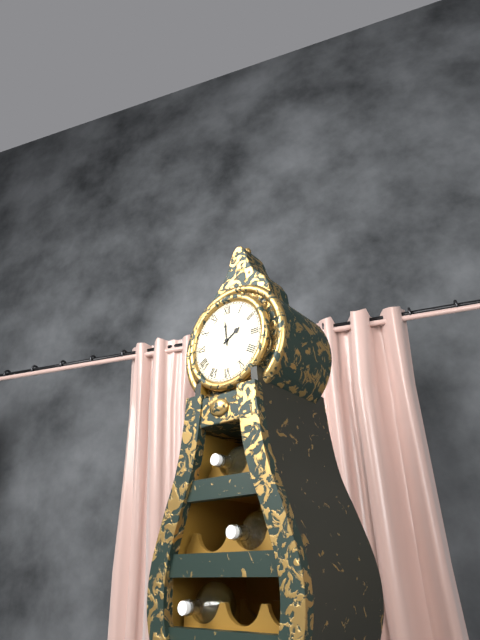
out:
1 h 59 min
